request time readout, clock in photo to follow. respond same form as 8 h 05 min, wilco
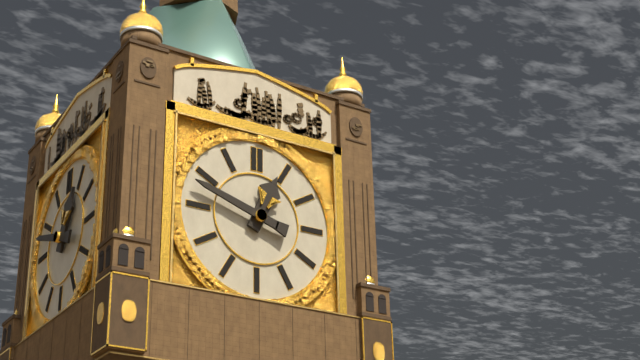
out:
12 h 48 min
